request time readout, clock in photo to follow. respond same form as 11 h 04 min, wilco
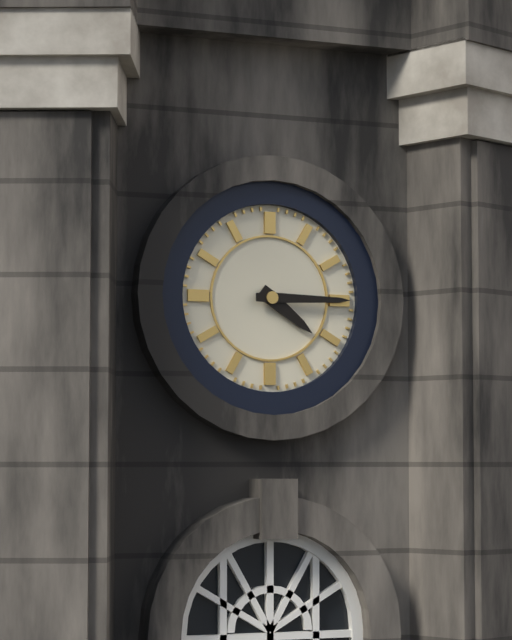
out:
4 h 15 min
